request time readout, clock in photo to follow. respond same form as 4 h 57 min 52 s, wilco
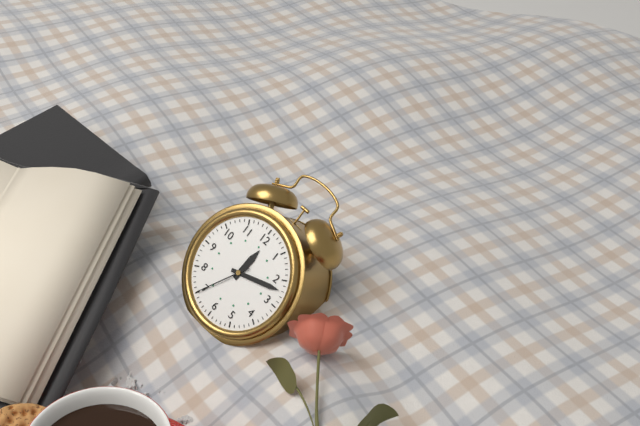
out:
12 h 12 min 35 s
